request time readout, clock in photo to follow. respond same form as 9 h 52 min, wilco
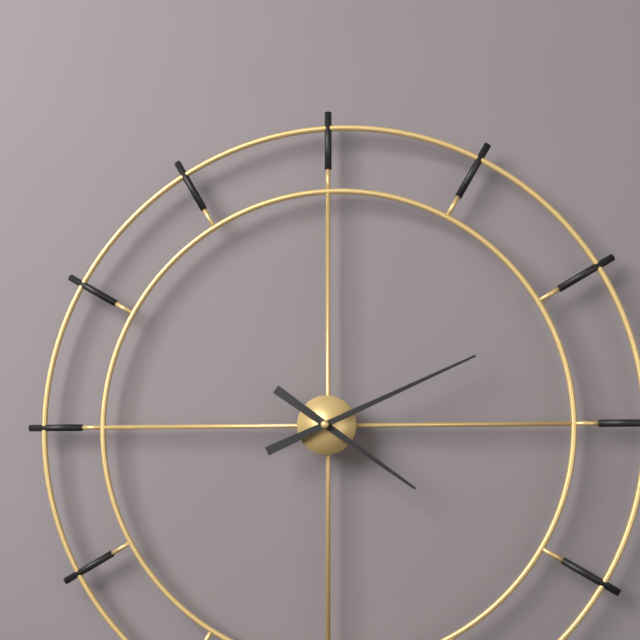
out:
4 h 11 min
